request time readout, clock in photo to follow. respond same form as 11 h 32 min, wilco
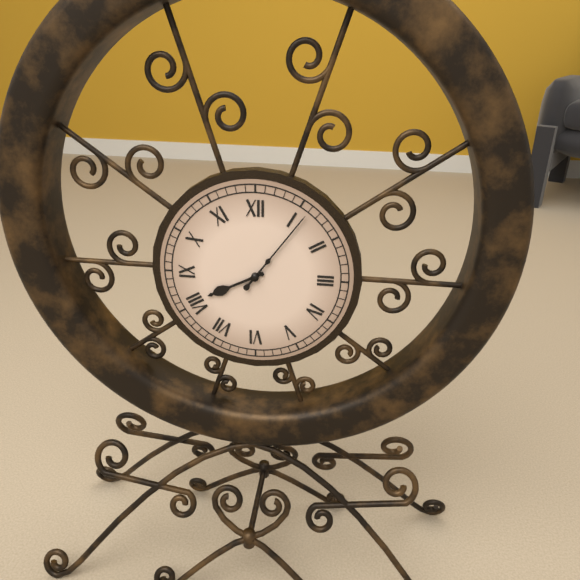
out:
8 h 06 min
